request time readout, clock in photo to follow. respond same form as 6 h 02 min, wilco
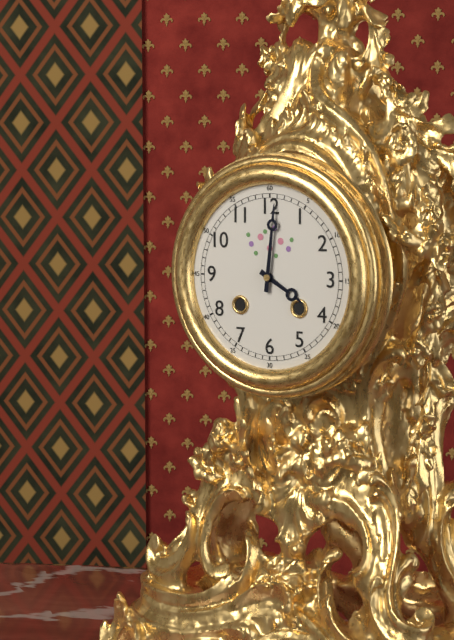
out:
4 h 01 min
